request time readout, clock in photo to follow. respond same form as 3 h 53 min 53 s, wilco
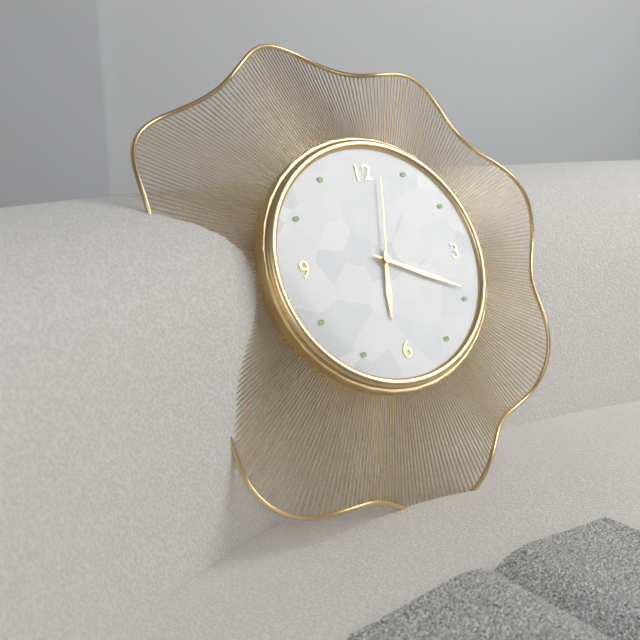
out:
6 h 19 min 02 s
